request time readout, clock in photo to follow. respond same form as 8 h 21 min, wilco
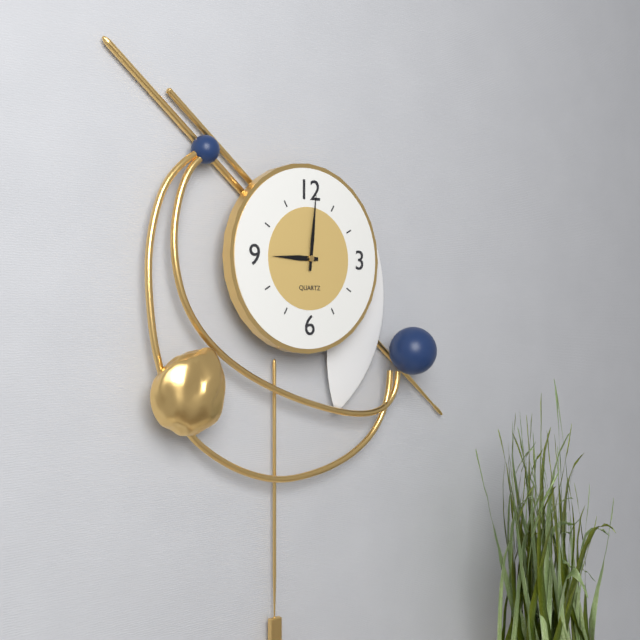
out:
9 h 01 min
